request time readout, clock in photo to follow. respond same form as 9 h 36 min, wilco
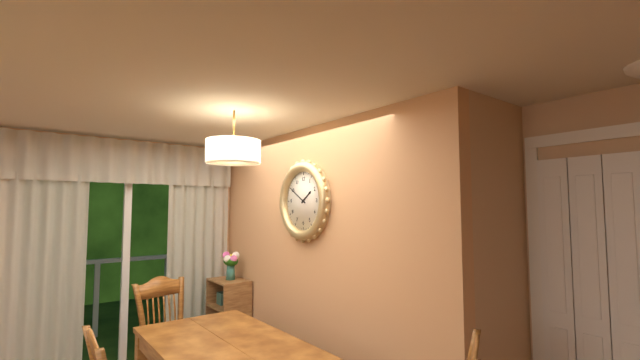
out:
1 h 50 min
